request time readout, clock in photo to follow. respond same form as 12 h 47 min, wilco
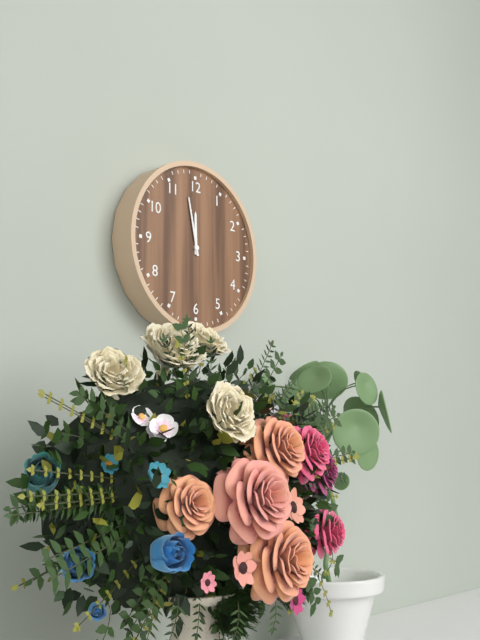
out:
11 h 58 min
